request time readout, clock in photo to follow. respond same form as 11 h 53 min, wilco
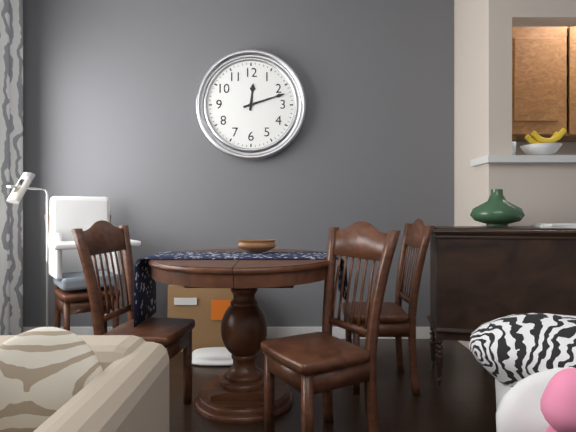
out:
12 h 12 min
